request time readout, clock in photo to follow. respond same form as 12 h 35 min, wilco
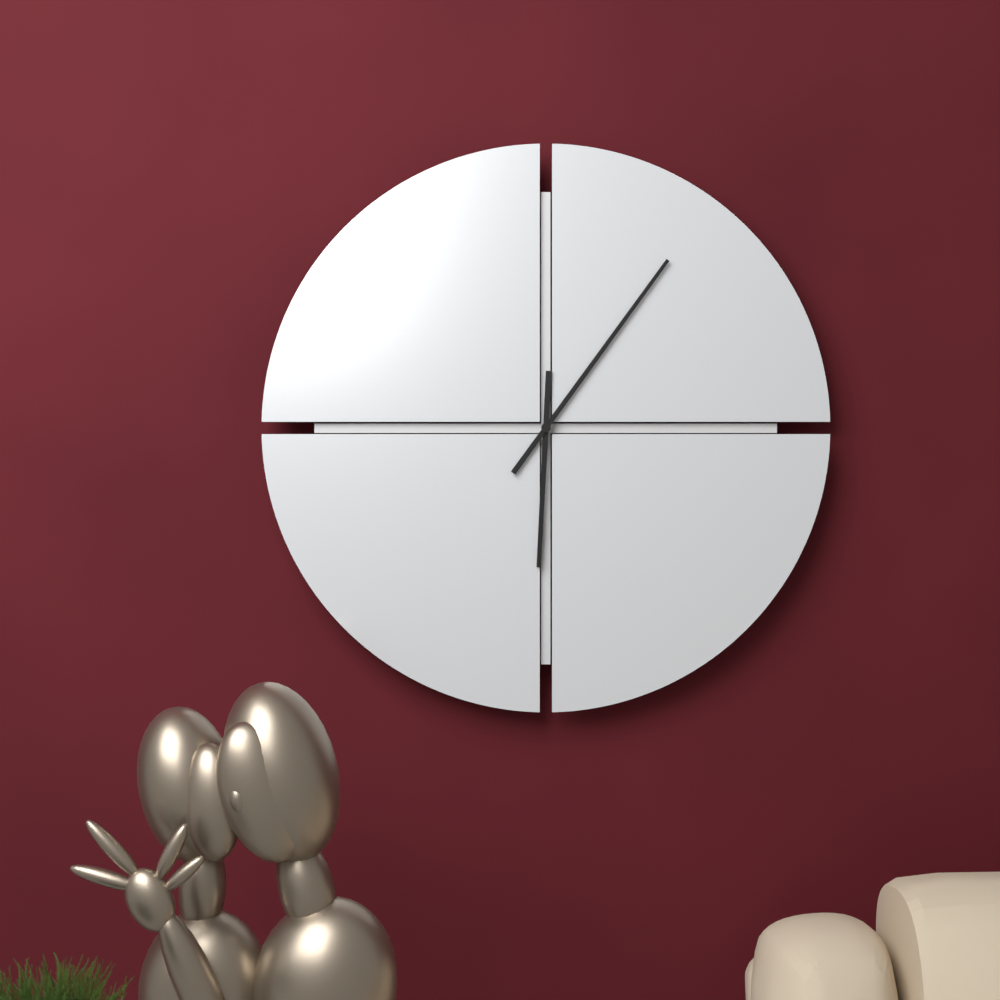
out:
6 h 06 min
